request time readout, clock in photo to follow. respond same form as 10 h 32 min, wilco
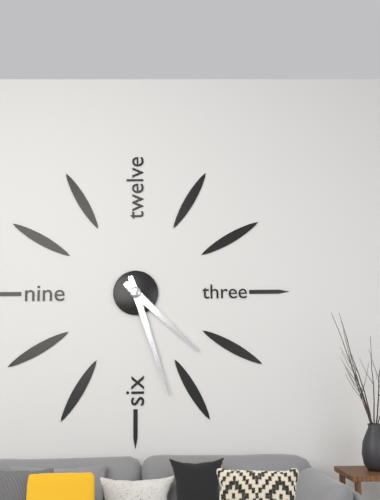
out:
4 h 27 min
